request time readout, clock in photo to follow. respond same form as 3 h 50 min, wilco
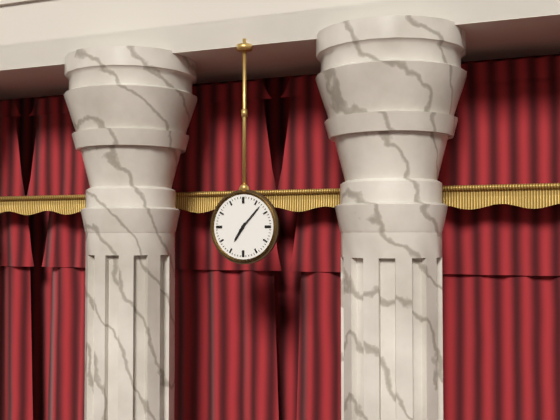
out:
7 h 07 min
